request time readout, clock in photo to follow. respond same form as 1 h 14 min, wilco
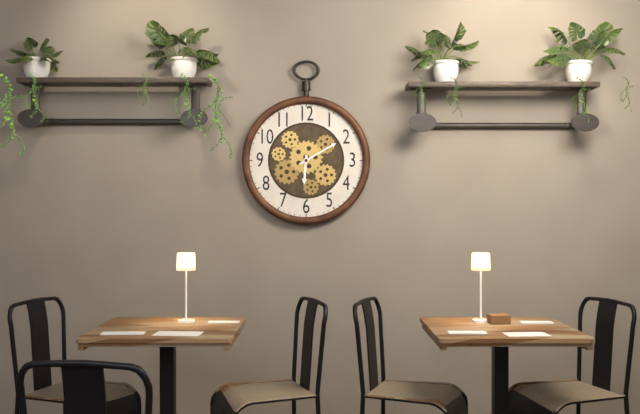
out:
6 h 10 min
